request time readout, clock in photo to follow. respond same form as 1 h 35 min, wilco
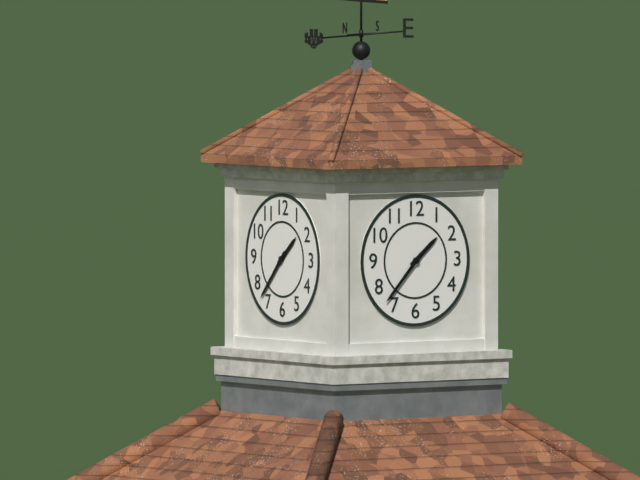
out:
1 h 37 min
